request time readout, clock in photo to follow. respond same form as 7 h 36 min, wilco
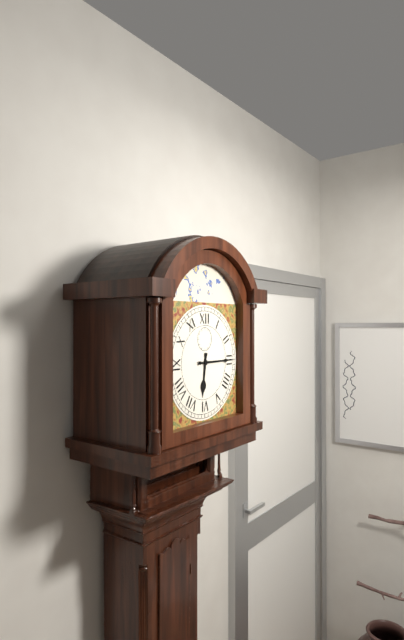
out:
6 h 15 min
